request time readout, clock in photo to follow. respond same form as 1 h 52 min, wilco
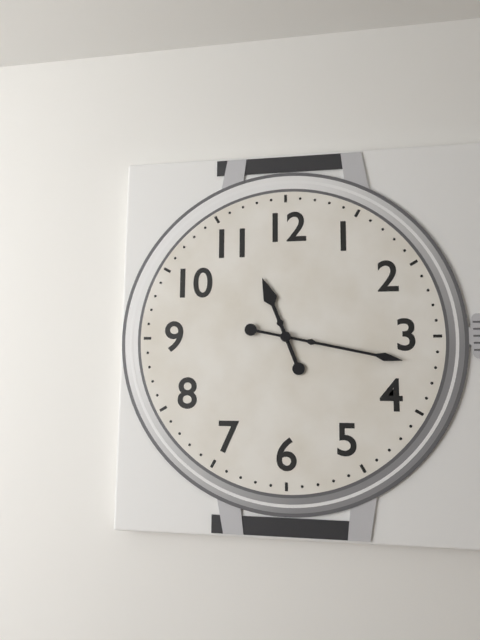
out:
11 h 17 min
